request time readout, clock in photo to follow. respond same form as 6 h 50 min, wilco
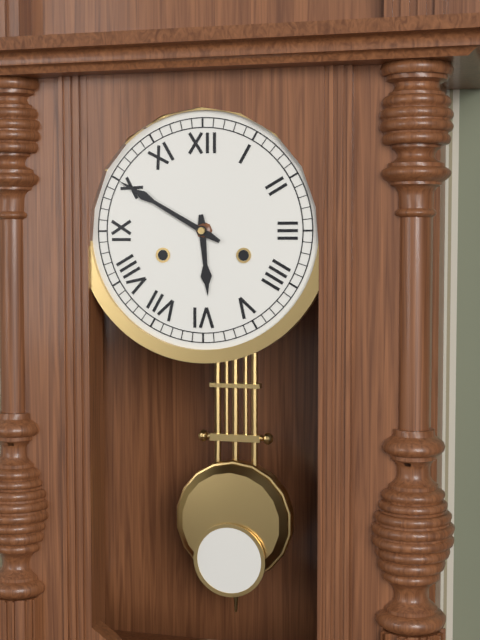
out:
5 h 50 min
